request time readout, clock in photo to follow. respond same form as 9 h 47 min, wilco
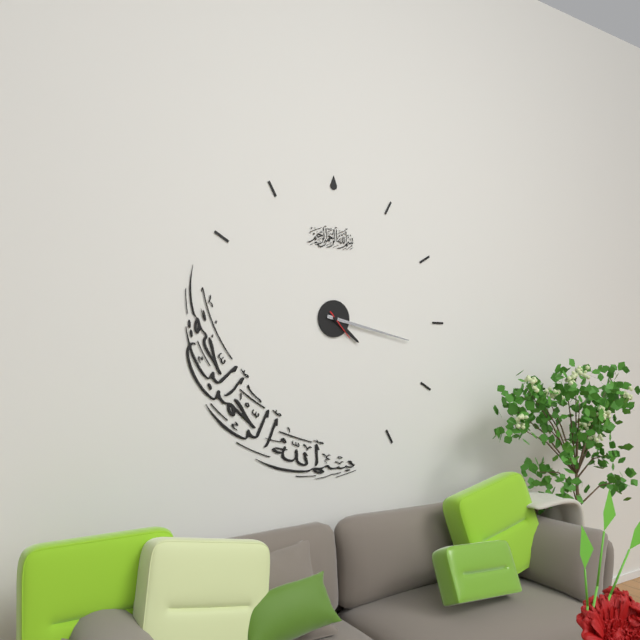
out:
4 h 17 min
